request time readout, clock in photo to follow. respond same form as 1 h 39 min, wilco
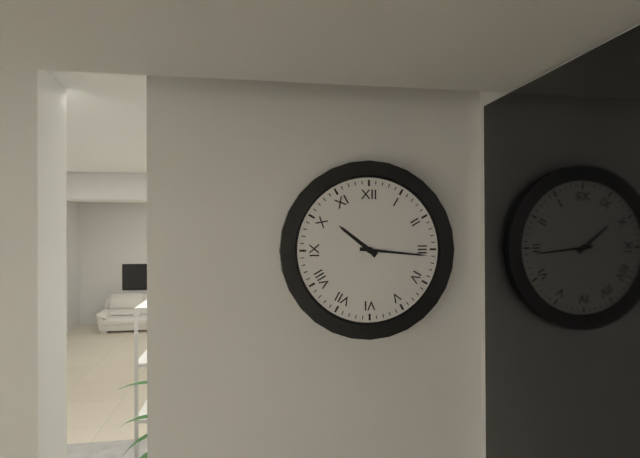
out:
10 h 16 min
